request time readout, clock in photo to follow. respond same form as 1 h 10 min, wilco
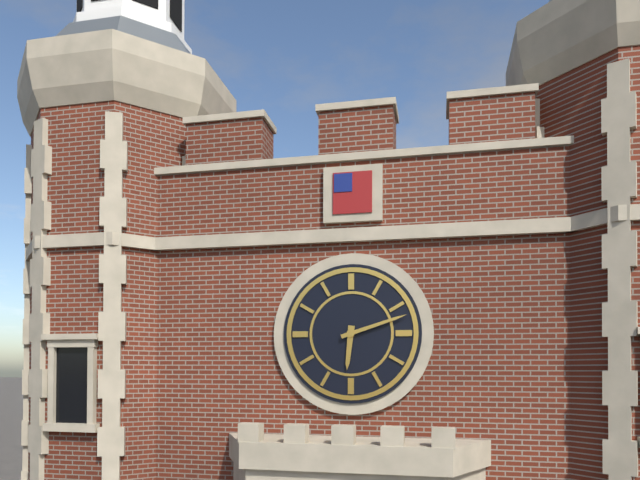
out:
6 h 12 min
